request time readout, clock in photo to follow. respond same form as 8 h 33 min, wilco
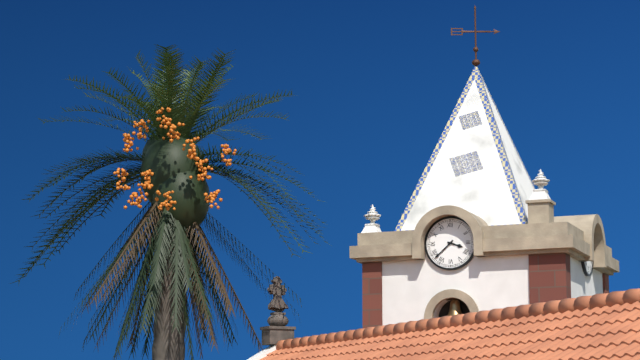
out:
3 h 38 min
